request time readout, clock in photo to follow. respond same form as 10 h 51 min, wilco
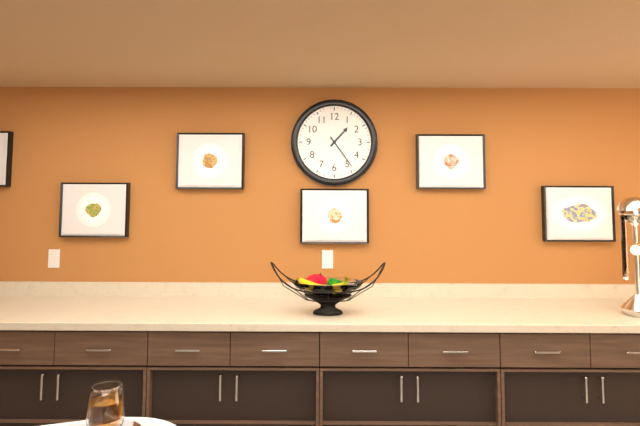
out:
1 h 24 min
